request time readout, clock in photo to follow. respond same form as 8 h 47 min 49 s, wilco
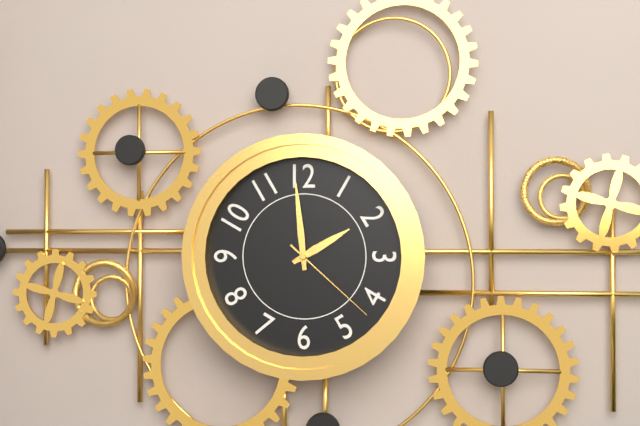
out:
1 h 59 min 22 s
